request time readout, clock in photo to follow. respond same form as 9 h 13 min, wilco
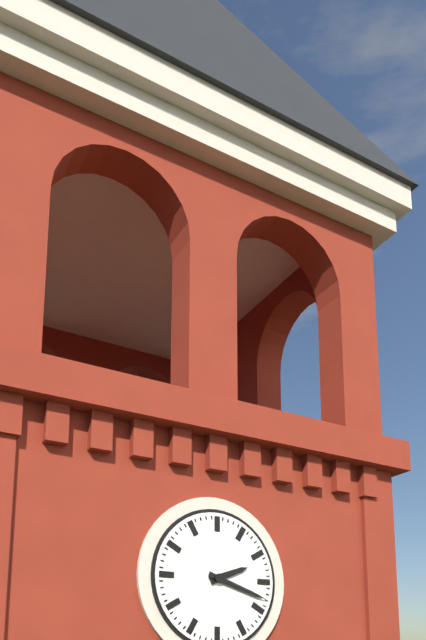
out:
2 h 18 min
